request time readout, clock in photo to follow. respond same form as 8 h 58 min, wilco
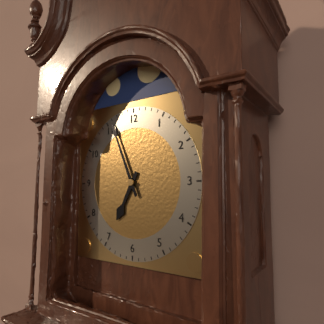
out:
6 h 56 min
